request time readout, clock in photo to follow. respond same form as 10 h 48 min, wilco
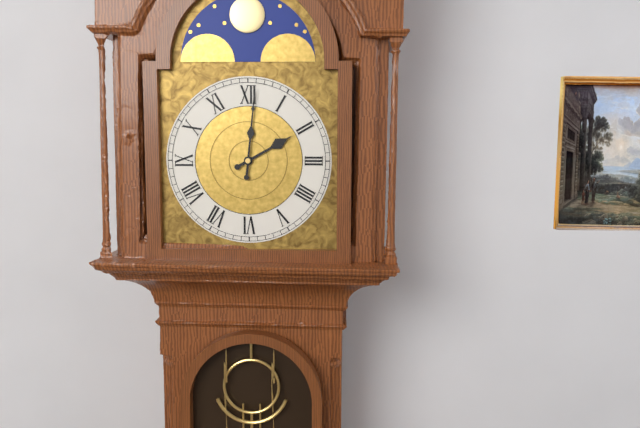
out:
2 h 01 min
